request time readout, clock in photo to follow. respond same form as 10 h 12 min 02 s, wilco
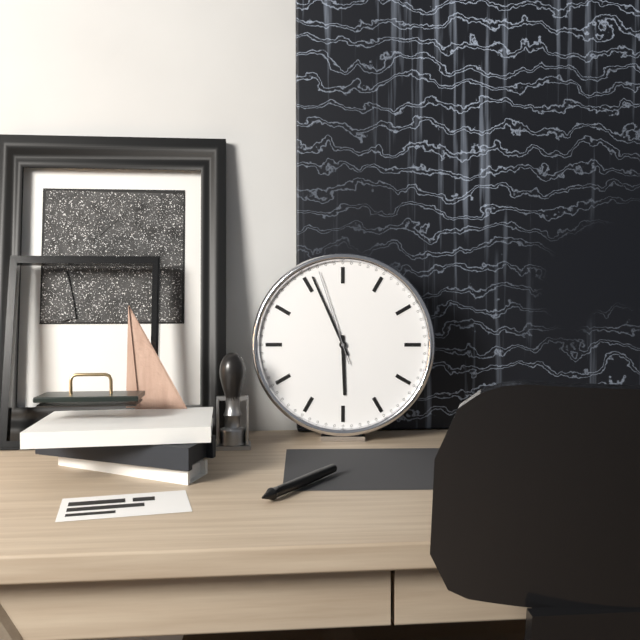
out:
5 h 56 min 57 s
